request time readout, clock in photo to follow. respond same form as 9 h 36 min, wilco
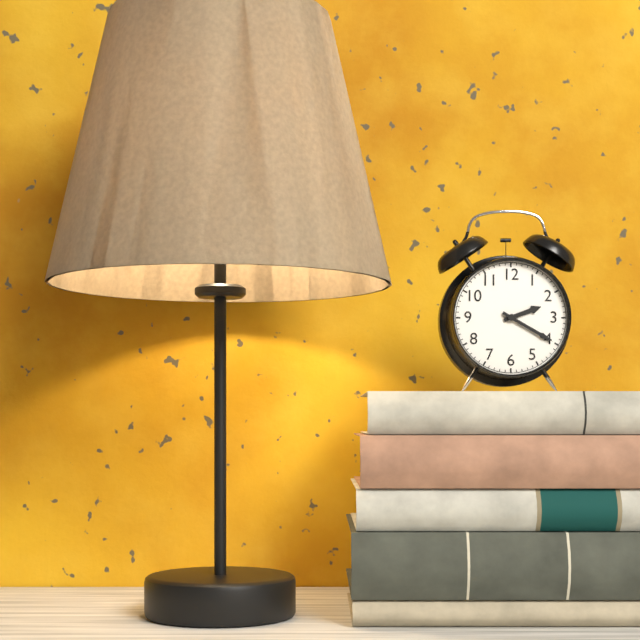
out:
2 h 20 min
